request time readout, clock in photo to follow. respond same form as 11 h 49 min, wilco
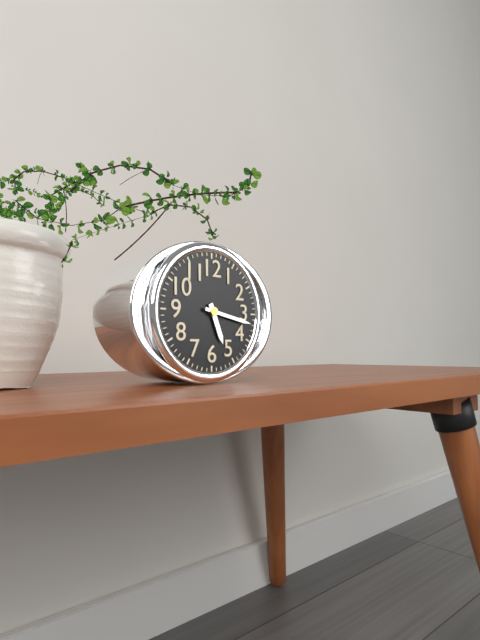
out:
5 h 17 min
